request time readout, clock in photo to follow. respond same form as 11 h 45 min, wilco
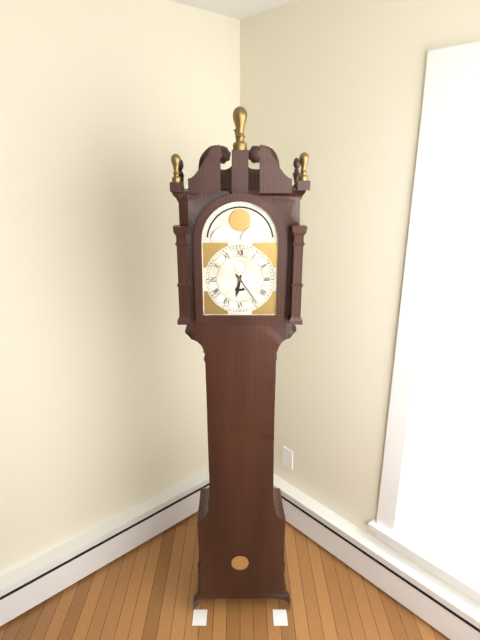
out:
6 h 24 min
